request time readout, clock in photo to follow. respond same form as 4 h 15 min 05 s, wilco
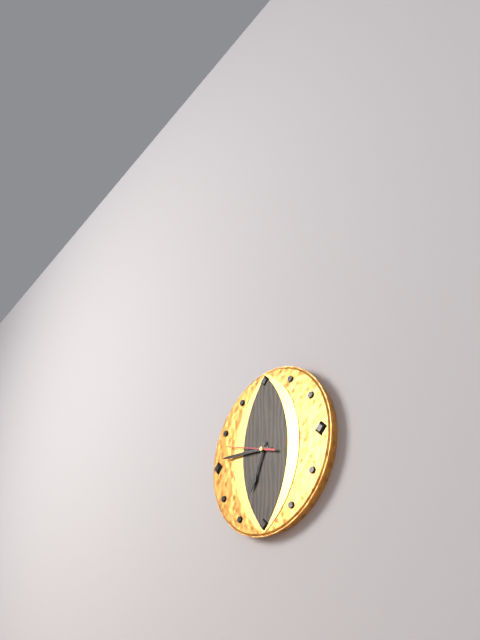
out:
6 h 46 min 48 s
